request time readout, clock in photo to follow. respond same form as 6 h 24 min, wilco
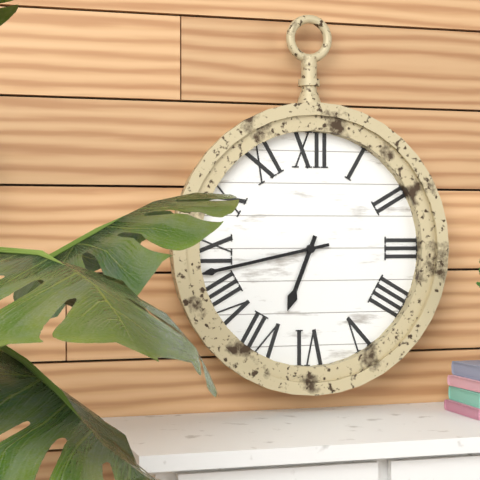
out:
6 h 43 min
